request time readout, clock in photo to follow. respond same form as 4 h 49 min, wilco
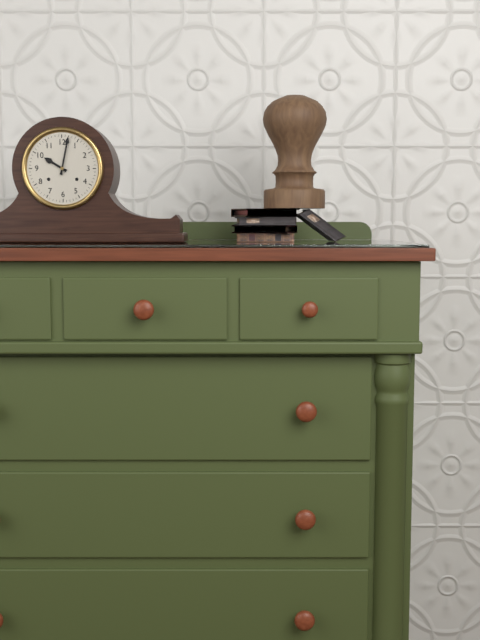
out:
10 h 02 min
